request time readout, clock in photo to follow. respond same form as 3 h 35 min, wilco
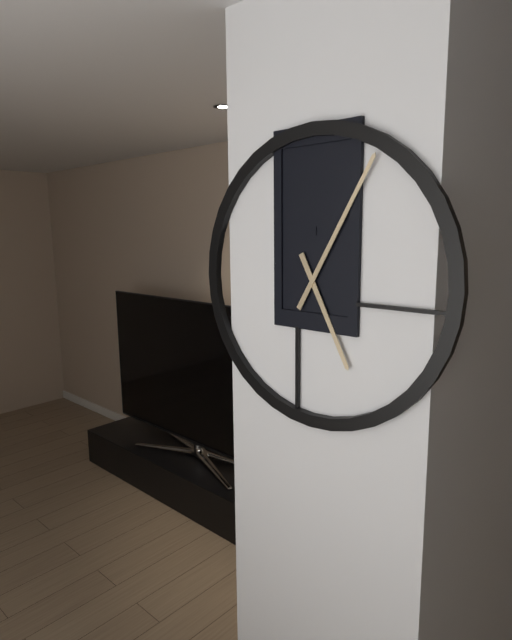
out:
5 h 05 min
